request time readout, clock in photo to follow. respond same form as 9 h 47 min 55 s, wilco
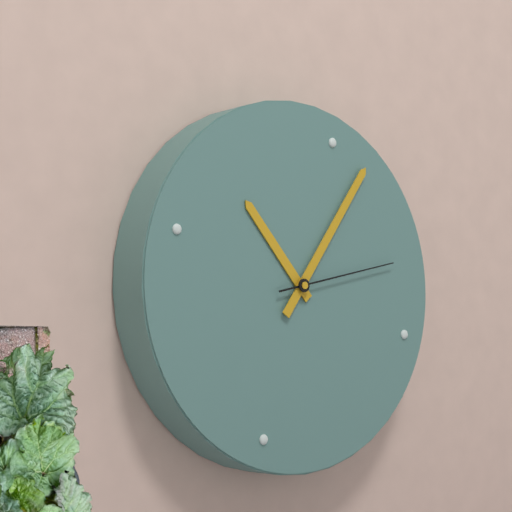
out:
10 h 03 min 10 s
